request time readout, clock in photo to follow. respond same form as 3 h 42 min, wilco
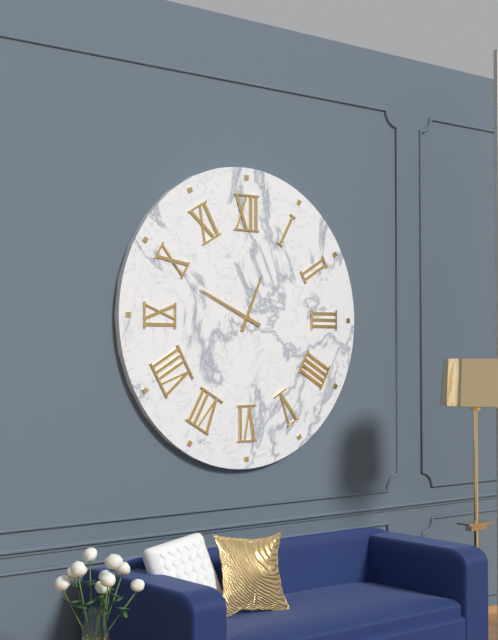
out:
12 h 49 min
